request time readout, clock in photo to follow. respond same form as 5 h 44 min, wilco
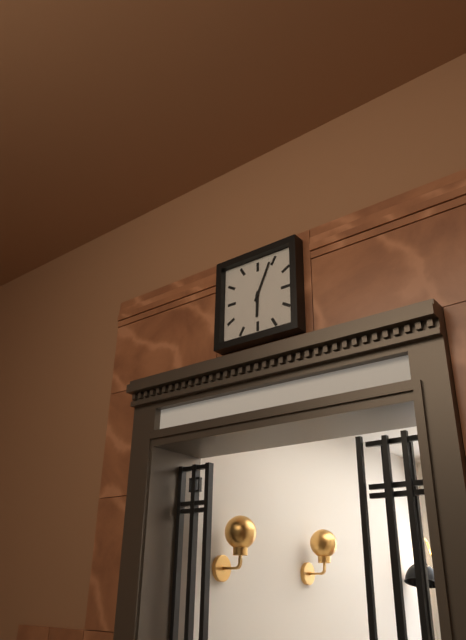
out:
6 h 04 min
